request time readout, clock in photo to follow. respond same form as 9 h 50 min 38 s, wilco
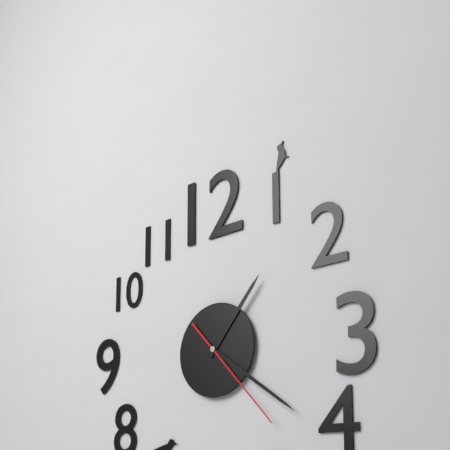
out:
1 h 21 min 23 s
